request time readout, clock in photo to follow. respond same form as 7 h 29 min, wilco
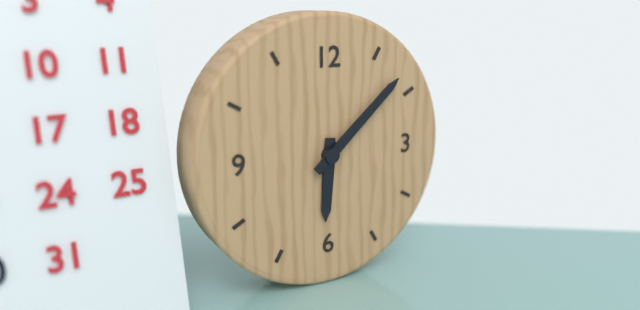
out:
6 h 08 min
